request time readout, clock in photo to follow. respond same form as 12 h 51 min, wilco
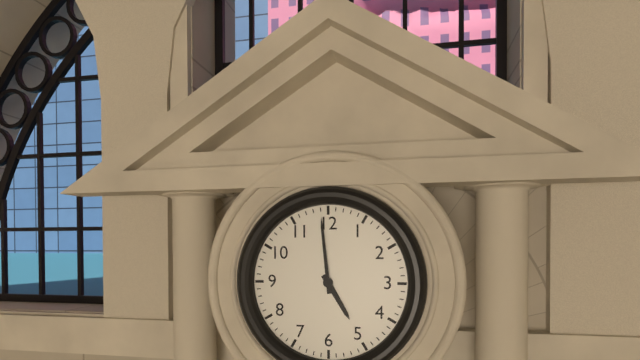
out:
4 h 59 min
